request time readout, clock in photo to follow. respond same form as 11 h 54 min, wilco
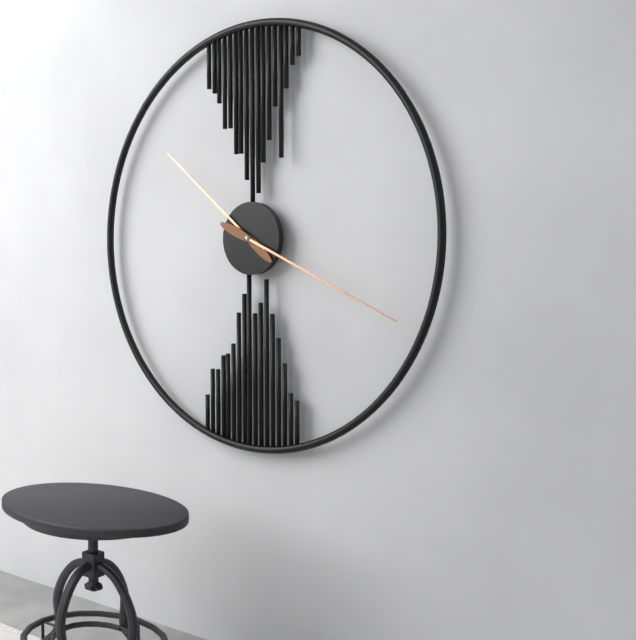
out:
10 h 19 min
